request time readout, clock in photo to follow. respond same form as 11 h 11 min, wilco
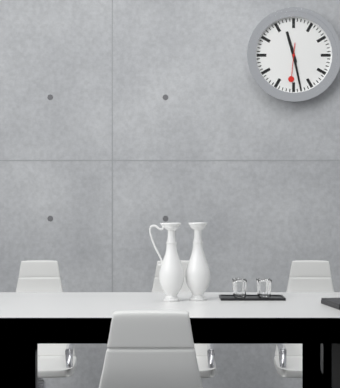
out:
11 h 28 min
